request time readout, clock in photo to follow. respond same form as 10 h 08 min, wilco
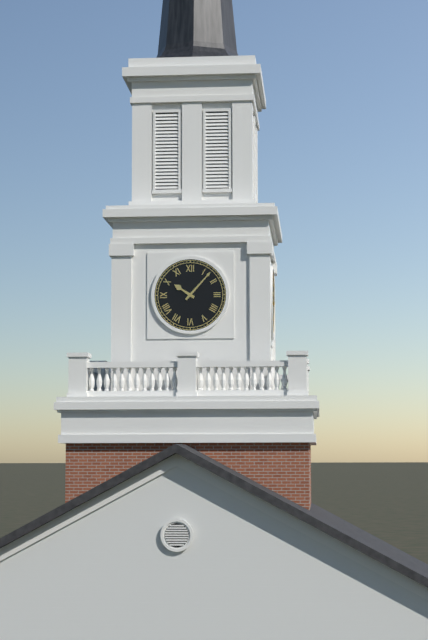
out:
10 h 07 min
